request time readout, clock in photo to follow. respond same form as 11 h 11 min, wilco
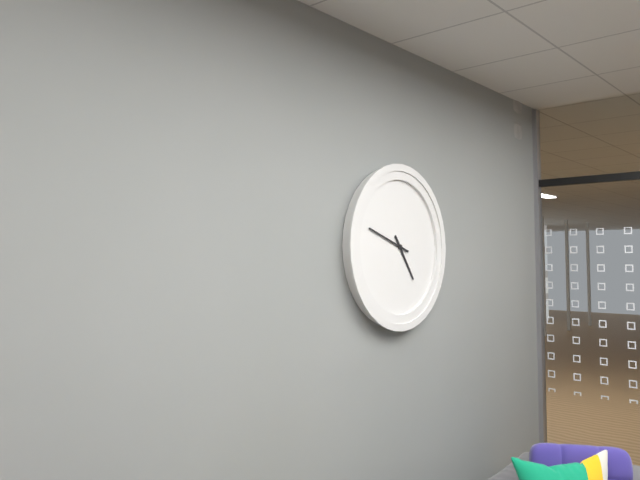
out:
4 h 48 min
